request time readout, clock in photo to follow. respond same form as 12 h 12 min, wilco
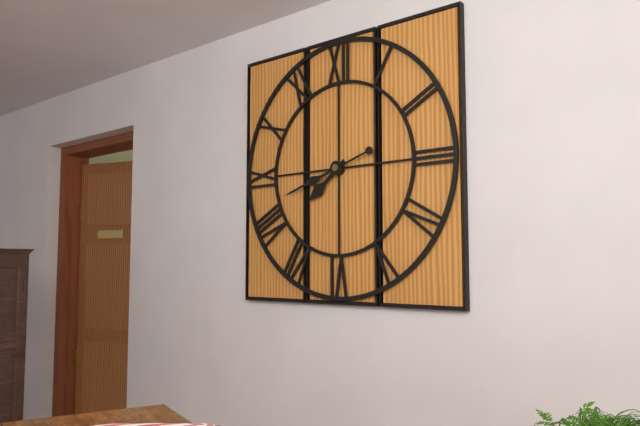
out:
7 h 42 min
